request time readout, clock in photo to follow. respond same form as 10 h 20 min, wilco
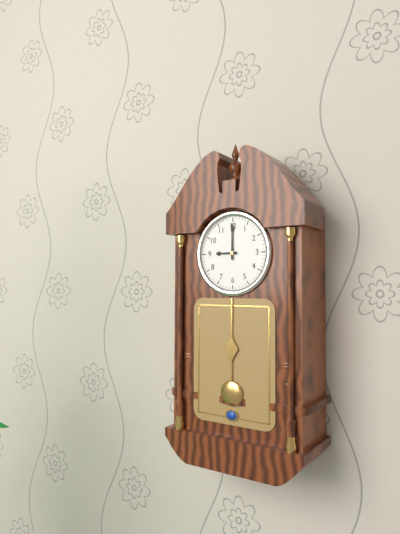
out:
9 h 00 min
